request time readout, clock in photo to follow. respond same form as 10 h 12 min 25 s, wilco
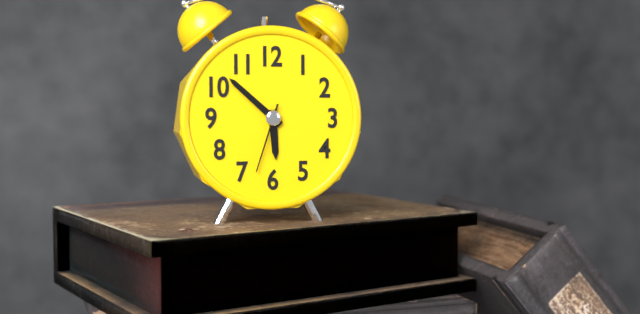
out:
5 h 52 min 33 s
